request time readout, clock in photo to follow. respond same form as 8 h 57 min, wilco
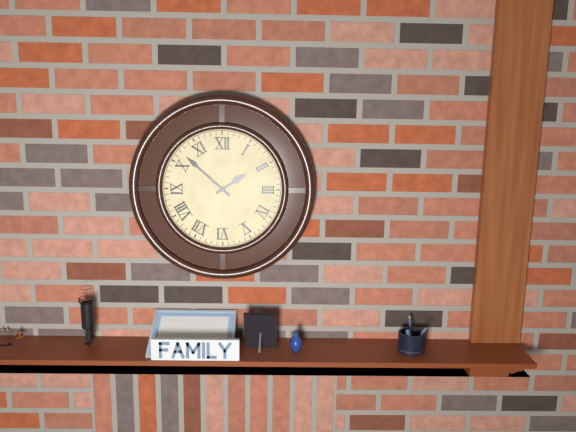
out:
1 h 52 min
